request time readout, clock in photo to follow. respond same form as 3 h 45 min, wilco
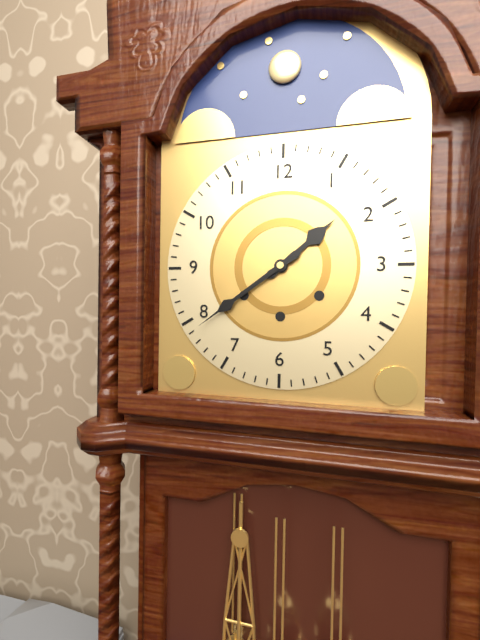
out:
1 h 39 min
